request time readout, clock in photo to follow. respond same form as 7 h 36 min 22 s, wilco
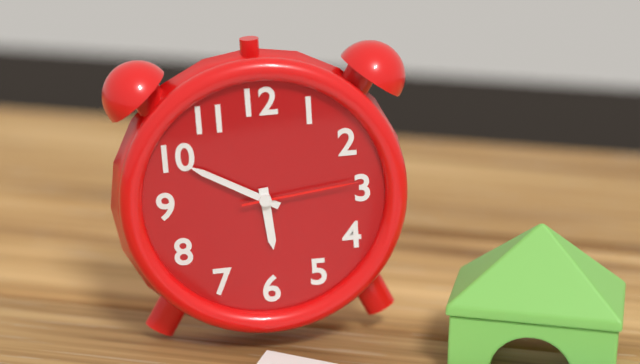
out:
5 h 50 min 14 s
